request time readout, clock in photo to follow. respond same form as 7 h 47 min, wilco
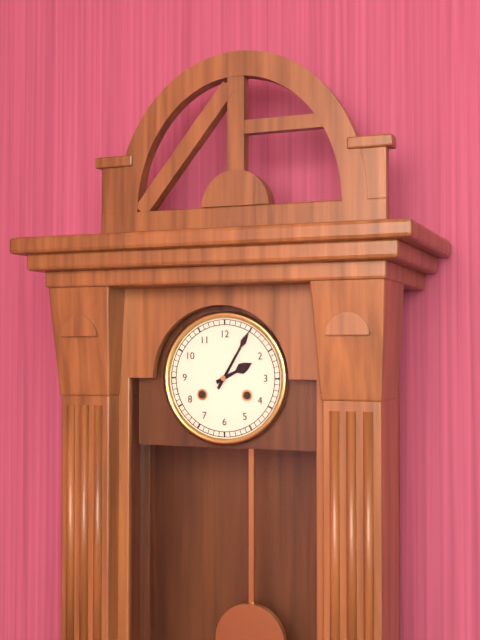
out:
2 h 05 min
